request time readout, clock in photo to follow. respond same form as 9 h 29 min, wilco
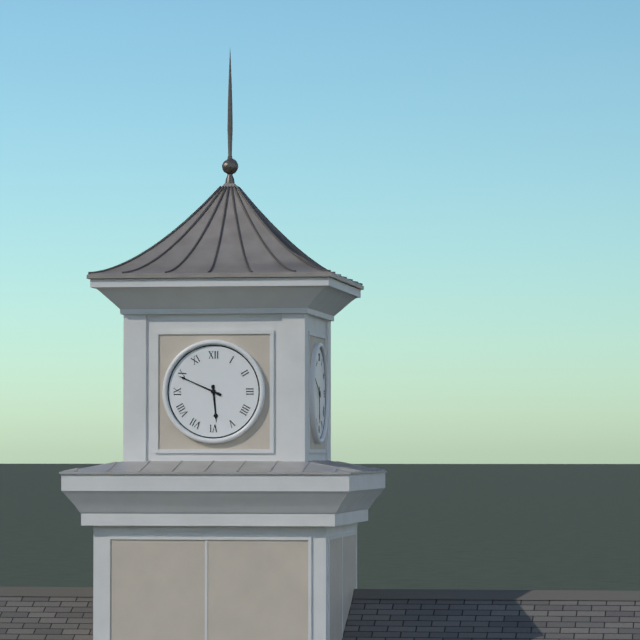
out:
5 h 49 min
